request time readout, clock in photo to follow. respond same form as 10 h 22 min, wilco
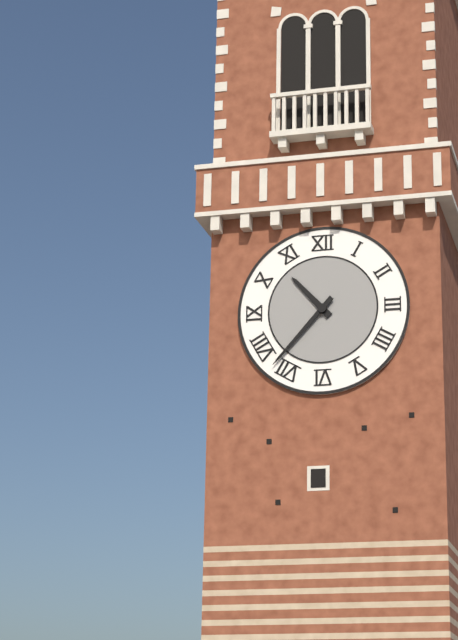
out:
10 h 37 min
